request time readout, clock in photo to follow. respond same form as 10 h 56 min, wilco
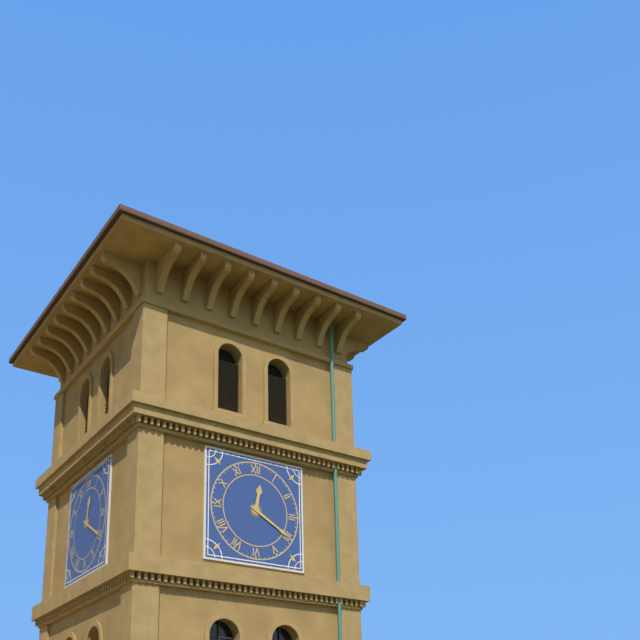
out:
12 h 20 min
